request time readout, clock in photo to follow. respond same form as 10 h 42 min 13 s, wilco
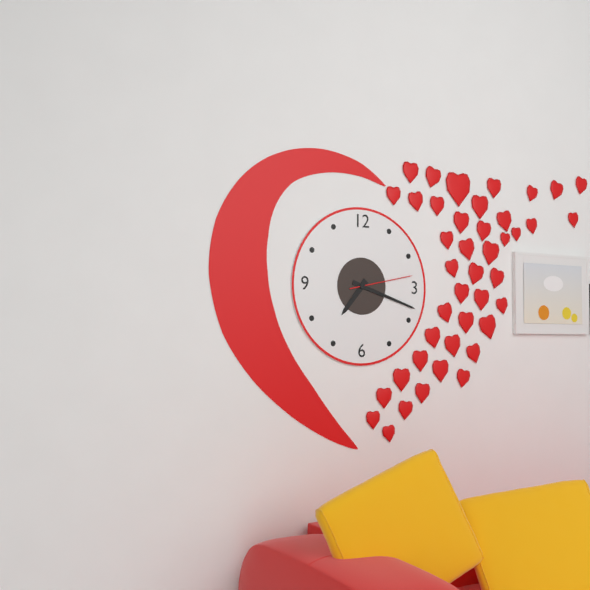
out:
7 h 18 min 13 s
